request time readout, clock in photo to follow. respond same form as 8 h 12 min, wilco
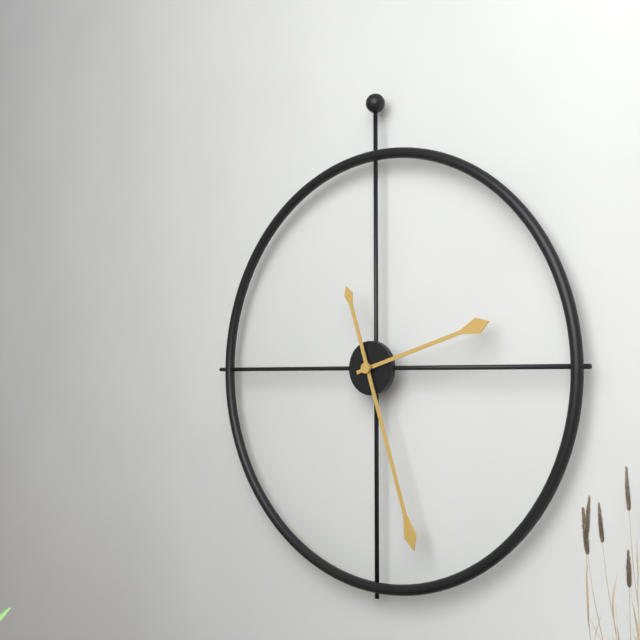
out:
2 h 27 min
